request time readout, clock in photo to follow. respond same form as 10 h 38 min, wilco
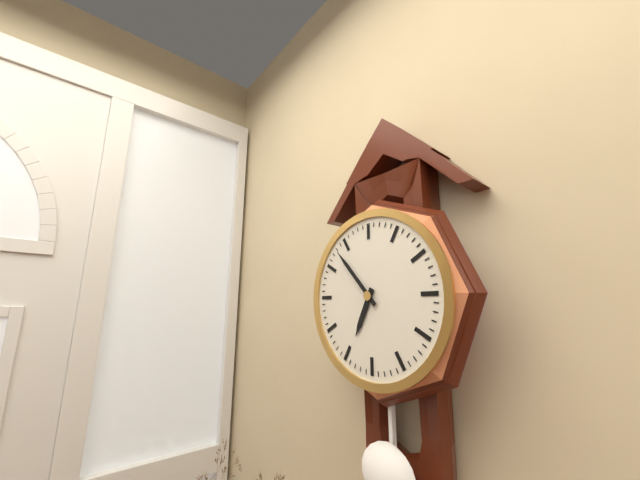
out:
6 h 53 min
